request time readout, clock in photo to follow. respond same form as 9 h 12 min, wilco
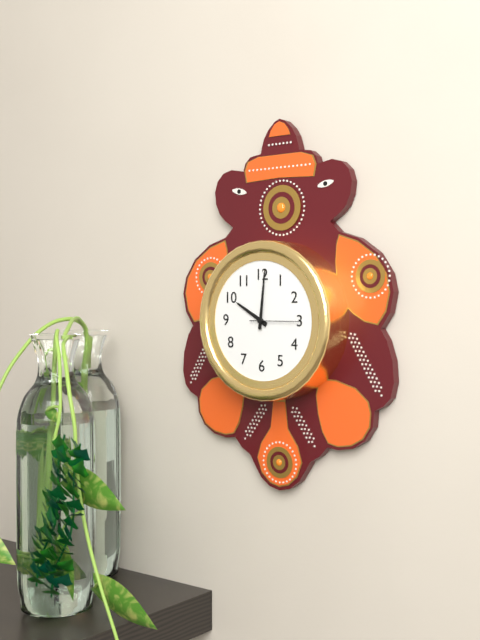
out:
10 h 01 min
